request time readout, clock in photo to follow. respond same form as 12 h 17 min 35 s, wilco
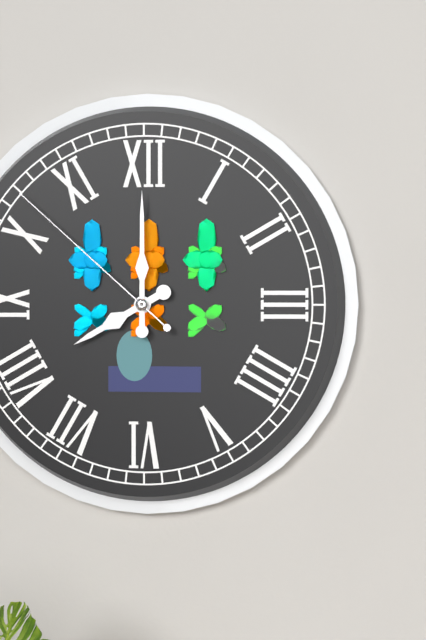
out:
8 h 00 min 52 s
